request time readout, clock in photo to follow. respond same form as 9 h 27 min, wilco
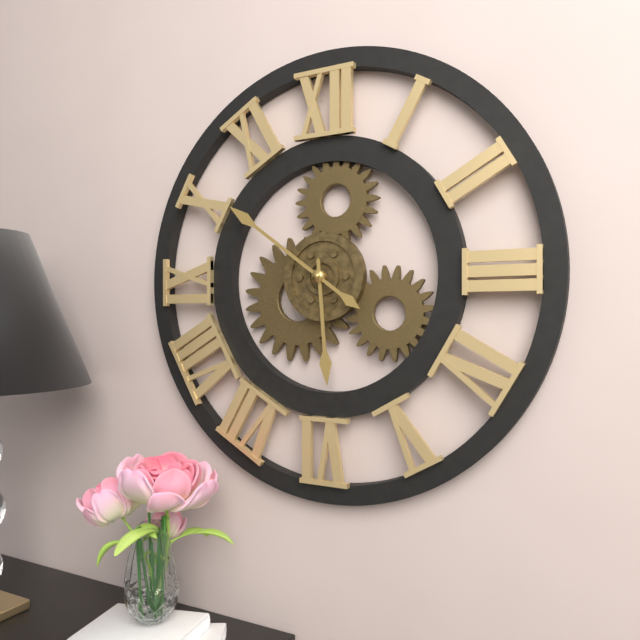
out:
5 h 51 min
